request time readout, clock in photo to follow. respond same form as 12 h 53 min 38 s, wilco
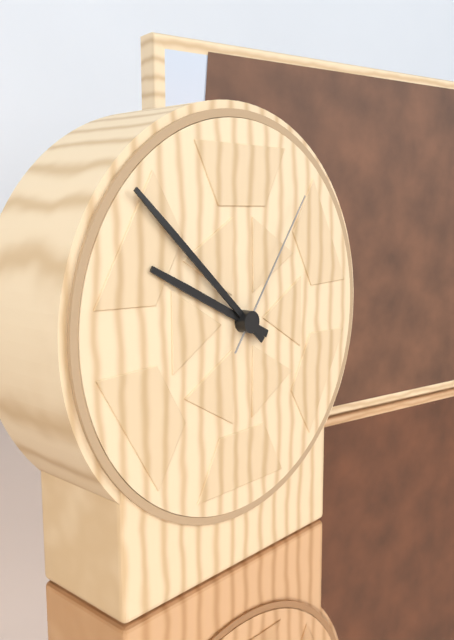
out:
9 h 52 min 06 s
